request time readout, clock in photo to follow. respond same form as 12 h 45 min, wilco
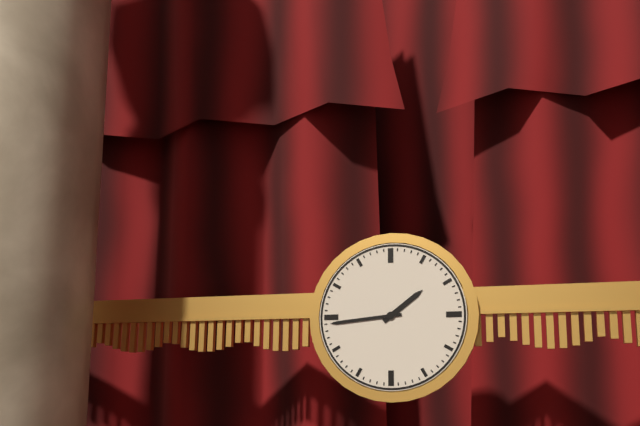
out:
1 h 44 min
